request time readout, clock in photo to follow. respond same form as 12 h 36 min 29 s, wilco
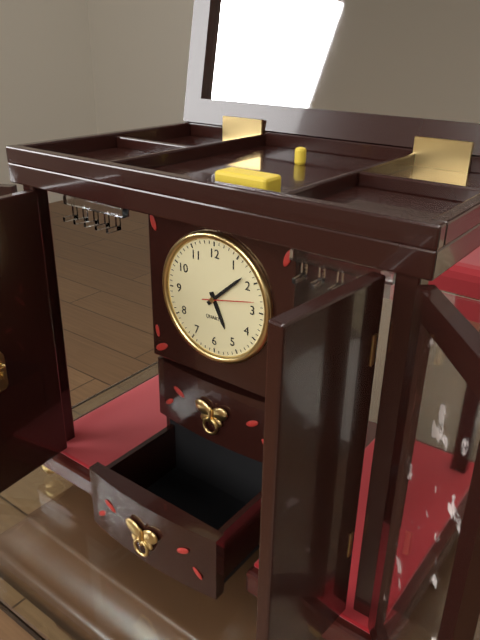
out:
5 h 08 min 13 s
